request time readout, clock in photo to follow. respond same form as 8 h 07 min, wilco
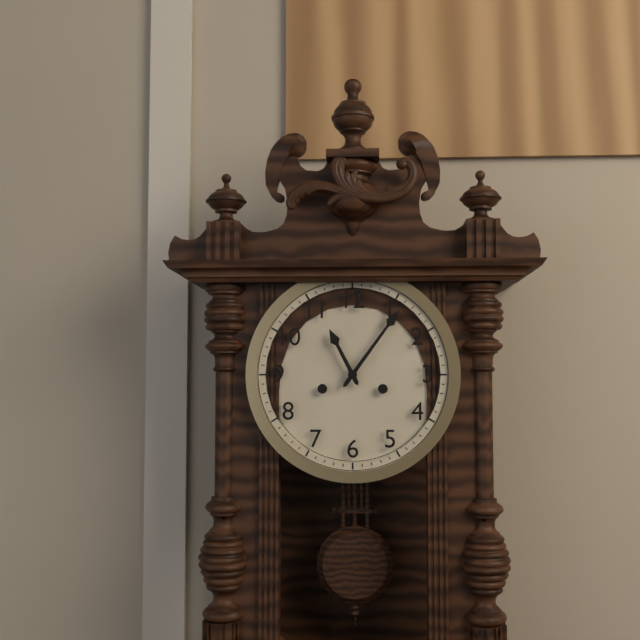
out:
11 h 06 min
